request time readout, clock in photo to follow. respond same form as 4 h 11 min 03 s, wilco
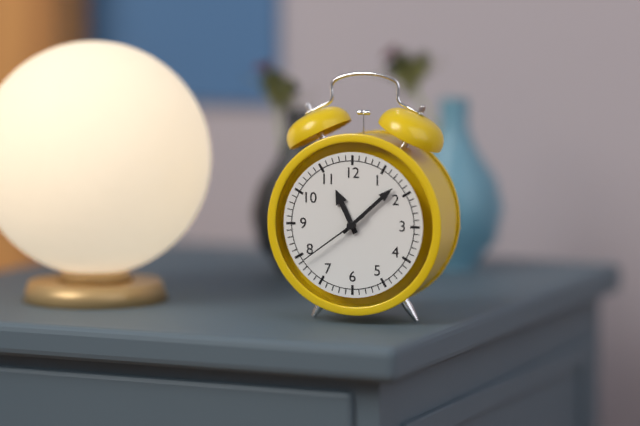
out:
11 h 08 min 39 s
